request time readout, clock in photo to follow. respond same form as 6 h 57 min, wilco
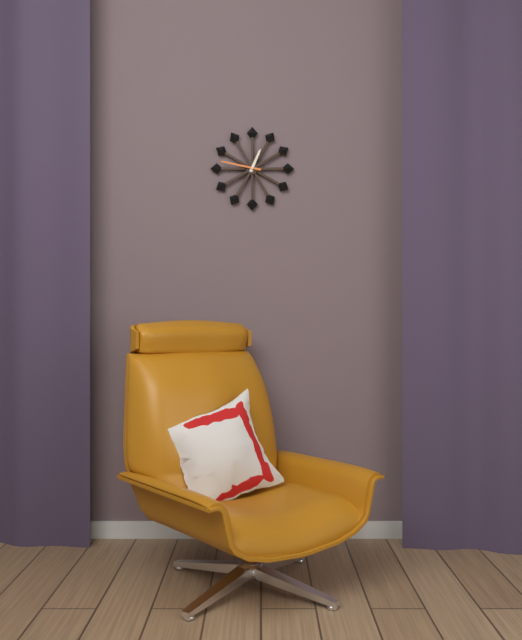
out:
12 h 47 min
